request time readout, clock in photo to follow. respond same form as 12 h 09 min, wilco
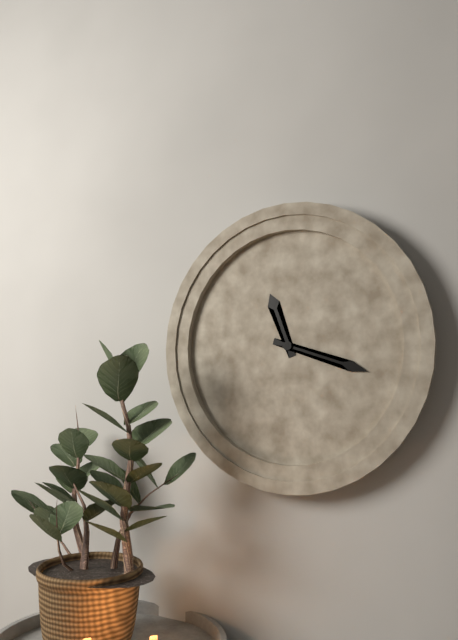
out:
11 h 18 min
